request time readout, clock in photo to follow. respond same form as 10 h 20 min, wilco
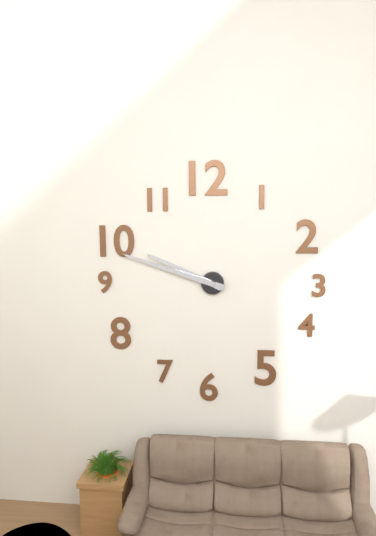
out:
9 h 48 min
